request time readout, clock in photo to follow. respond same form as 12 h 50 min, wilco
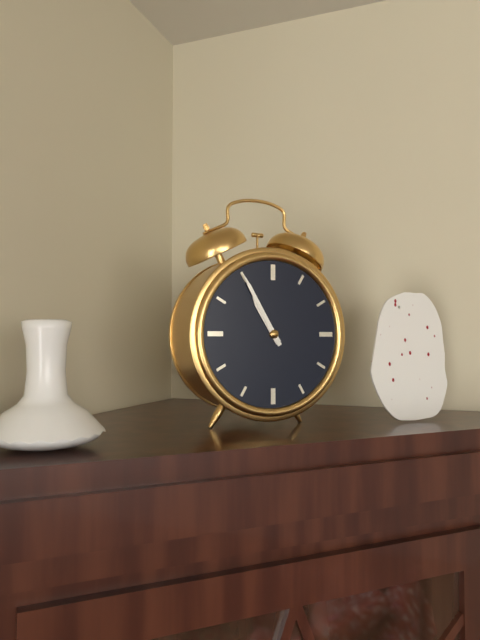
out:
10 h 55 min
